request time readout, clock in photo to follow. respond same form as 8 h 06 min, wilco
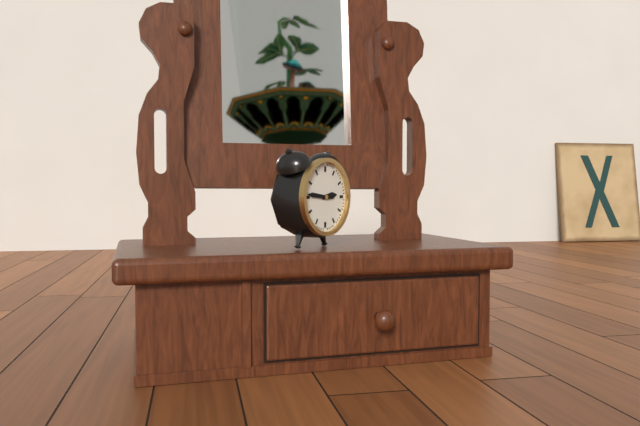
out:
2 h 46 min
